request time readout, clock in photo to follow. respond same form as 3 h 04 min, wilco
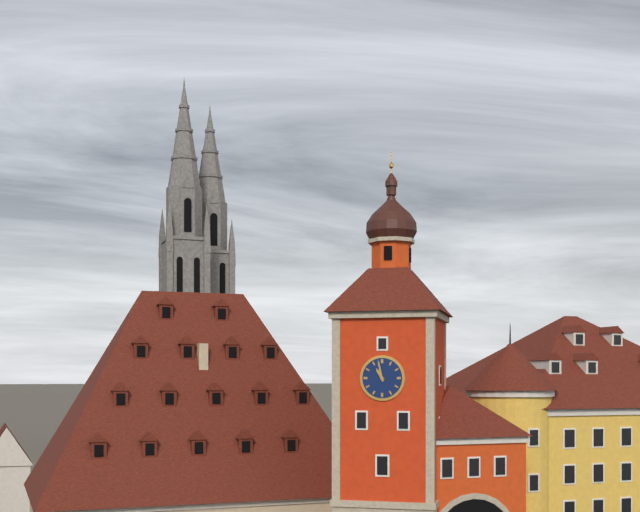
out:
10 h 58 min
